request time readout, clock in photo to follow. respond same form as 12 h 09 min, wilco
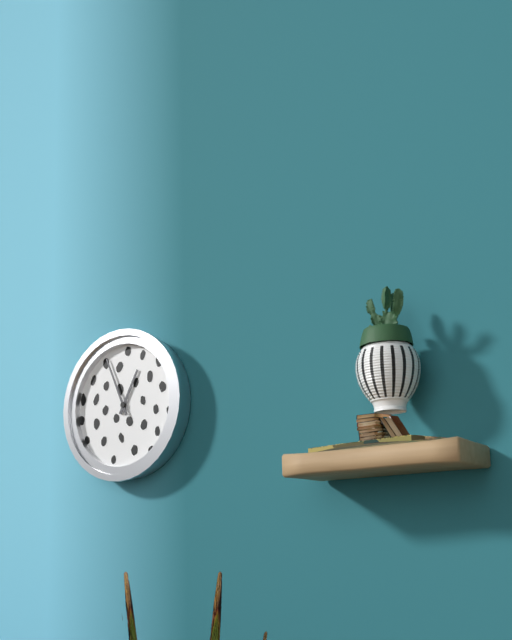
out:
12 h 56 min
